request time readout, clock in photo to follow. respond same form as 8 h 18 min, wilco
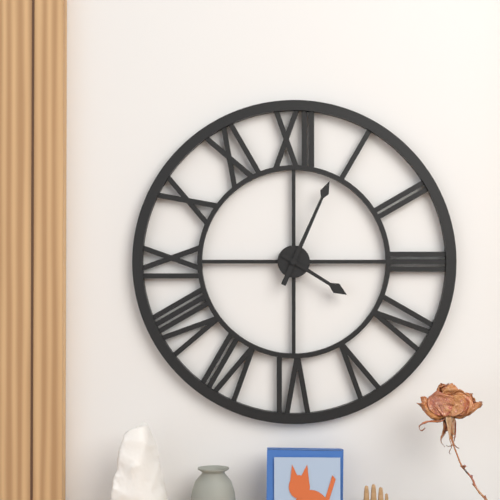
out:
4 h 04 min
